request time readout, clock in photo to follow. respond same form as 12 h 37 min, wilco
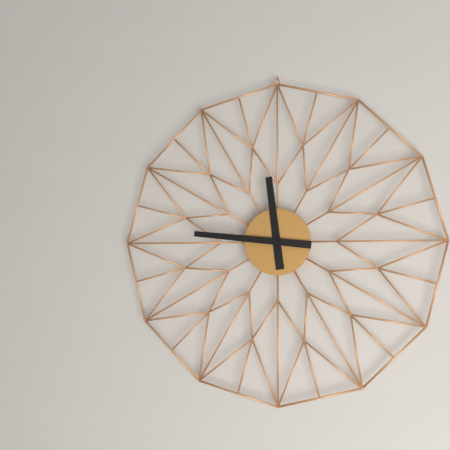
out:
11 h 46 min
